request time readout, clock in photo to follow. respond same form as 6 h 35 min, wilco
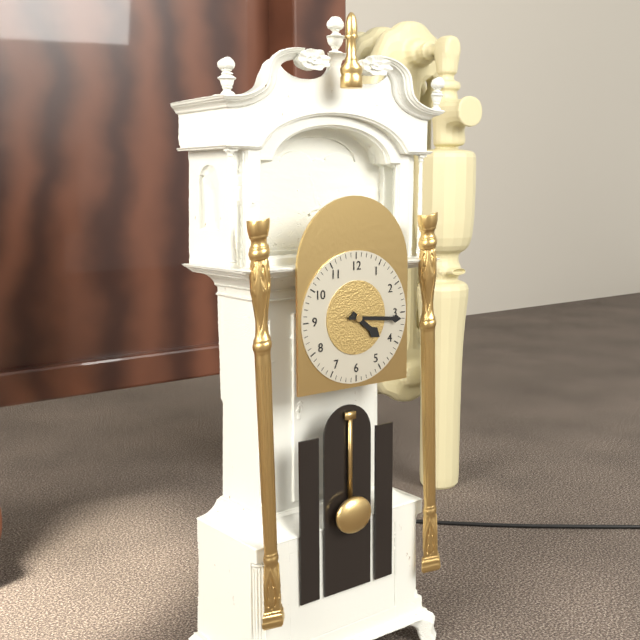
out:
4 h 16 min
